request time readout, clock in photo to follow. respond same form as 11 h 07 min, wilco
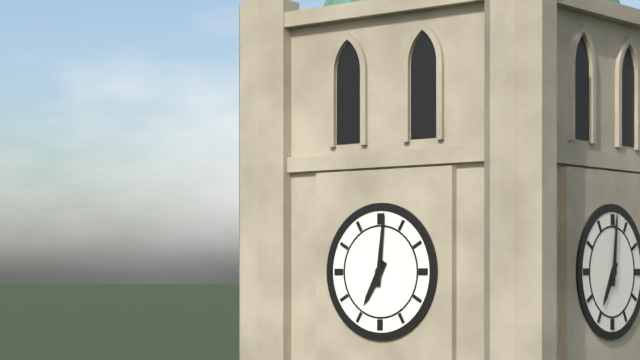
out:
7 h 01 min
